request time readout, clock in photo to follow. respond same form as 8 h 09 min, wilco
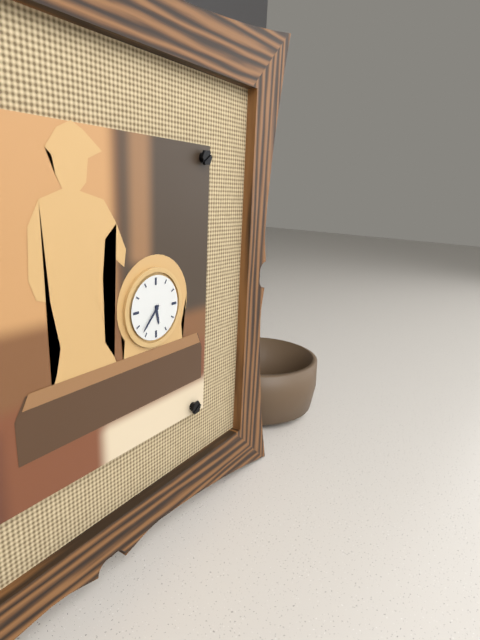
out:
5 h 37 min
